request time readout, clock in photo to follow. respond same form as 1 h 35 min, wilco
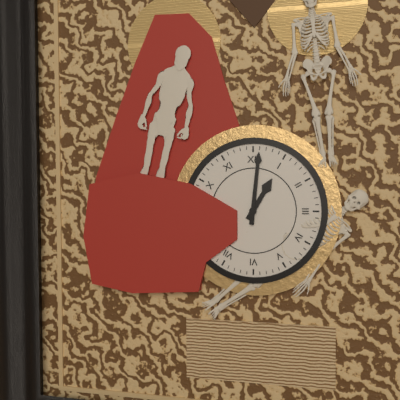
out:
1 h 01 min
